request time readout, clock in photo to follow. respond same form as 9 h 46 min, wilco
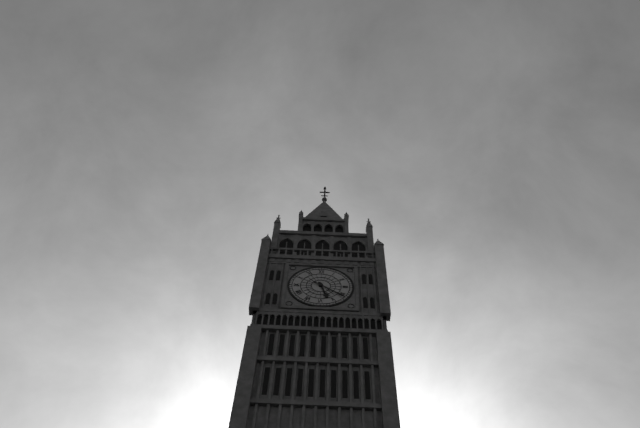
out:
5 h 21 min
